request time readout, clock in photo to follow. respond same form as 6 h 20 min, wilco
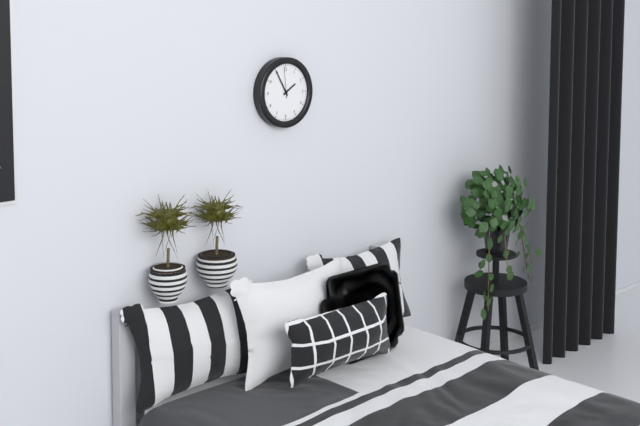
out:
1 h 55 min
